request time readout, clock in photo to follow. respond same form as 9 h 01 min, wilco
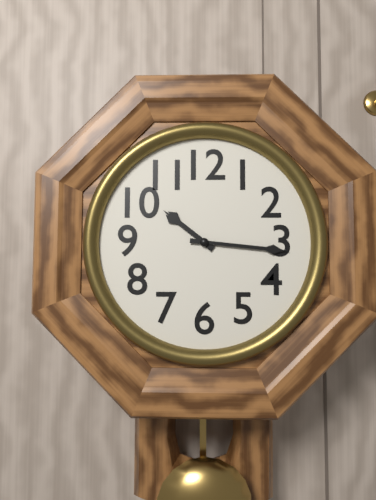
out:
10 h 16 min
